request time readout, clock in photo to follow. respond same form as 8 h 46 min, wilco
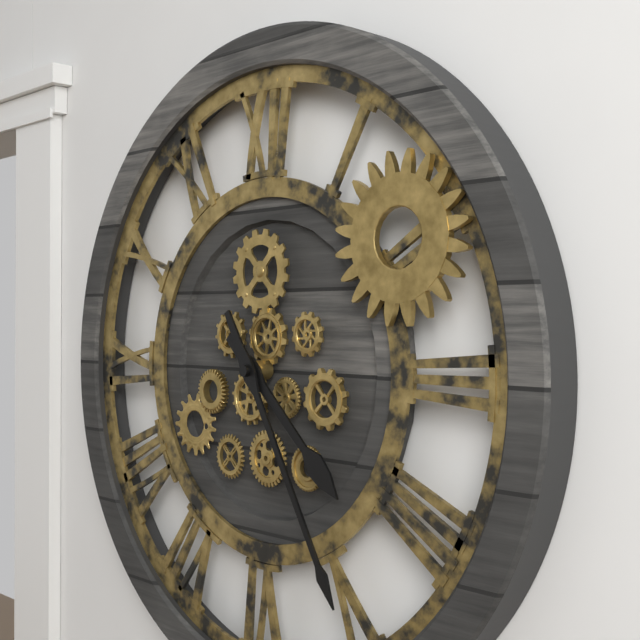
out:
4 h 25 min
